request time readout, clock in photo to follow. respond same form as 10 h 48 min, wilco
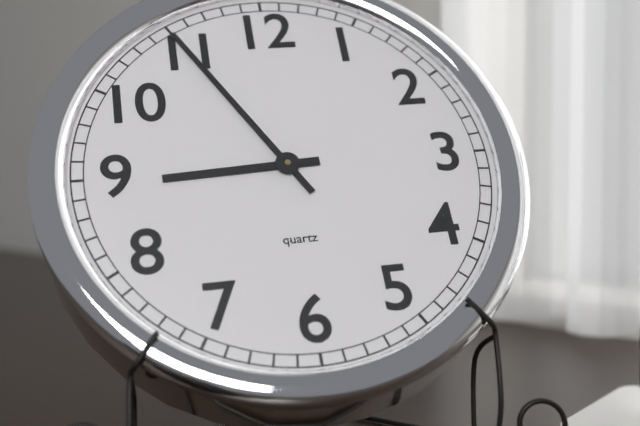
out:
8 h 55 min
